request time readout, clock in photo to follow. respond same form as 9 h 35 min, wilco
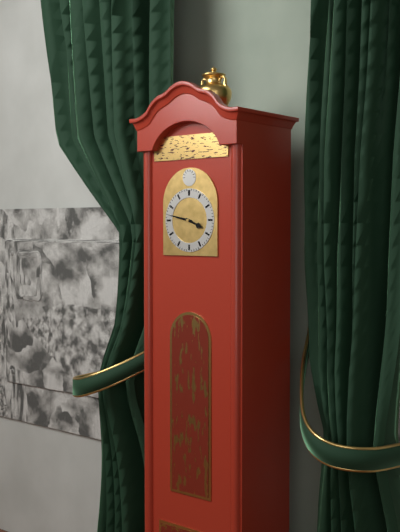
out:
3 h 47 min
